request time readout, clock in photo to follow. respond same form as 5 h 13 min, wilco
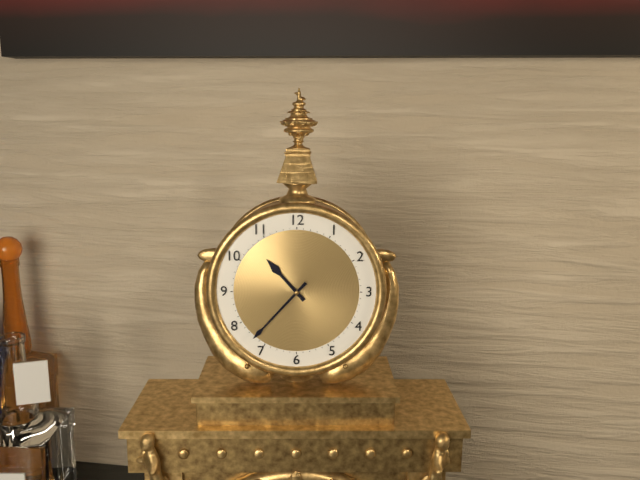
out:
10 h 37 min
